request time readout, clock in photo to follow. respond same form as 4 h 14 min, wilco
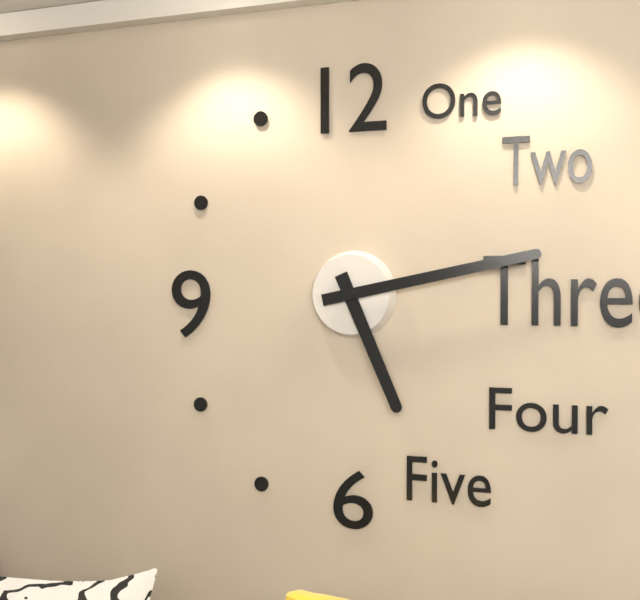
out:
5 h 13 min
